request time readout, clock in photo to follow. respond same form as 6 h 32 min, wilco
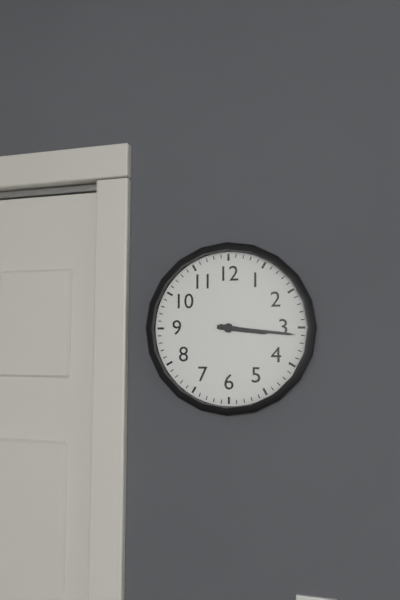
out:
3 h 16 min
